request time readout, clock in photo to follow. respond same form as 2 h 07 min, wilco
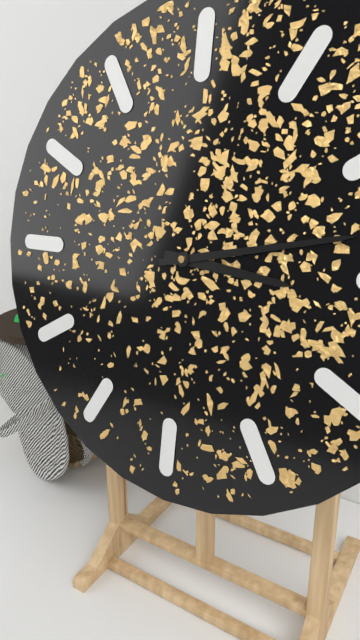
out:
3 h 13 min
